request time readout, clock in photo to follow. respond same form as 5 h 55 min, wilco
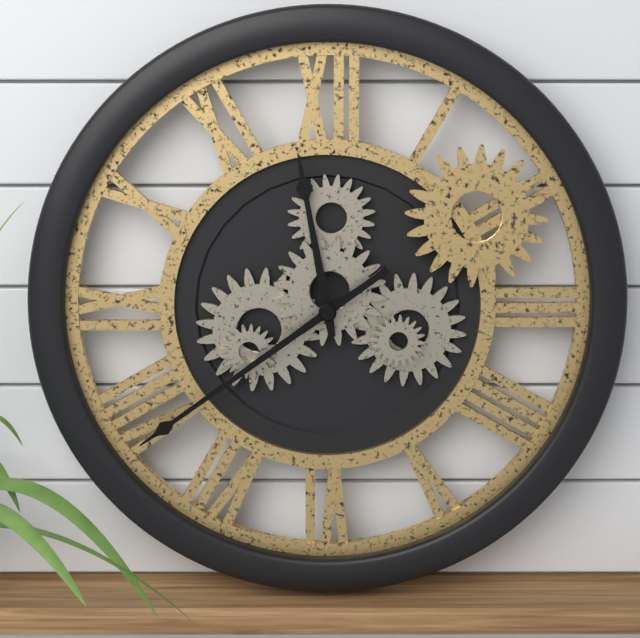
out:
11 h 39 min
